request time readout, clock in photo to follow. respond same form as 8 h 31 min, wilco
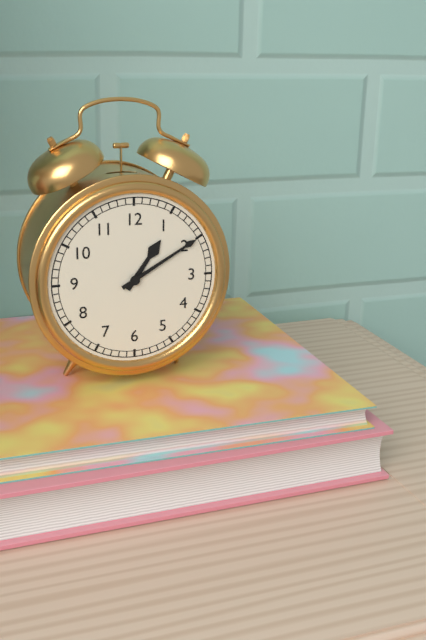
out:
1 h 10 min
